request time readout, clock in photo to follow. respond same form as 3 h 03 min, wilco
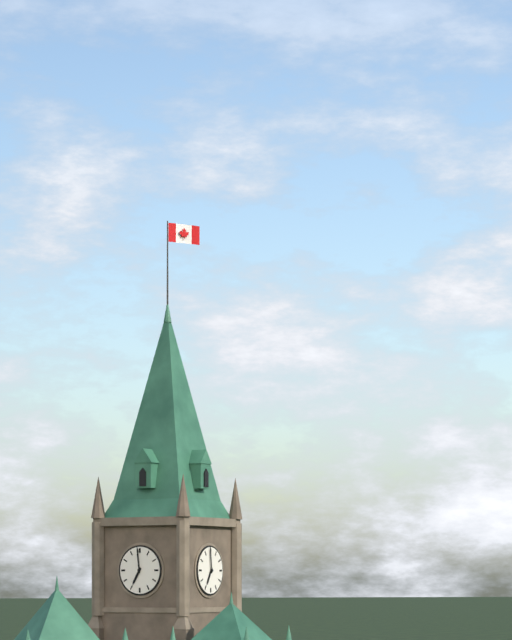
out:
6 h 59 min
